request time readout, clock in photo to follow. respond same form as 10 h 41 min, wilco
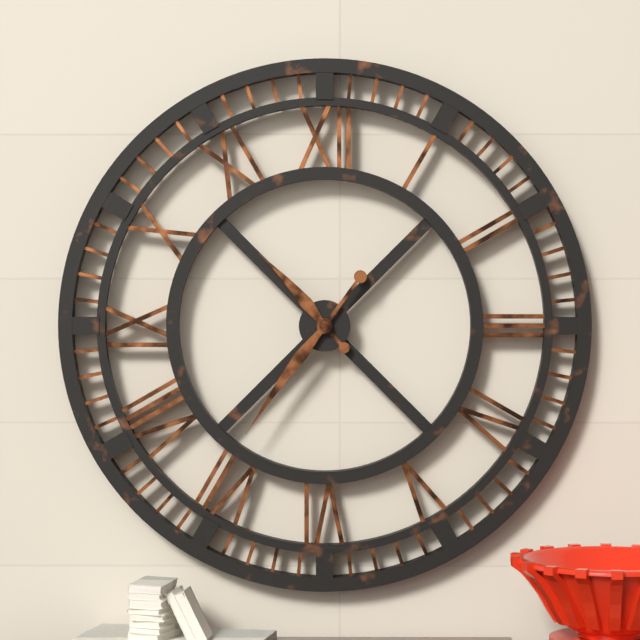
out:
10 h 36 min
